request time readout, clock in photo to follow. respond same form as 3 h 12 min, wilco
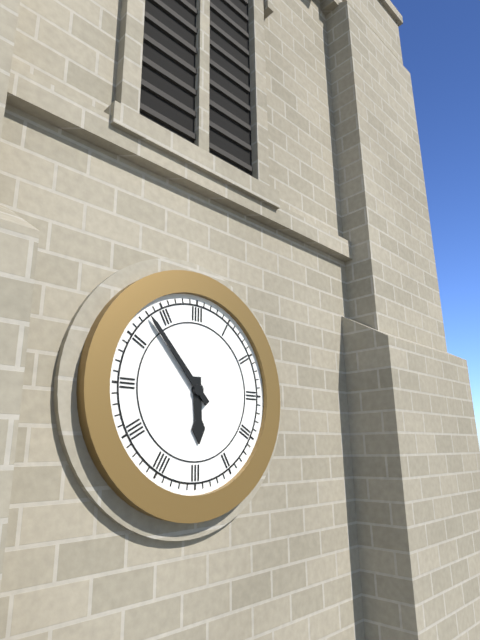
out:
5 h 53 min
